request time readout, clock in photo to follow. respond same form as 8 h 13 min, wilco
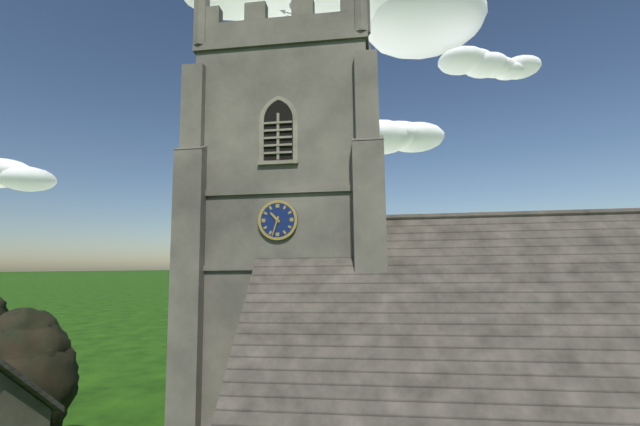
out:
10 h 33 min
